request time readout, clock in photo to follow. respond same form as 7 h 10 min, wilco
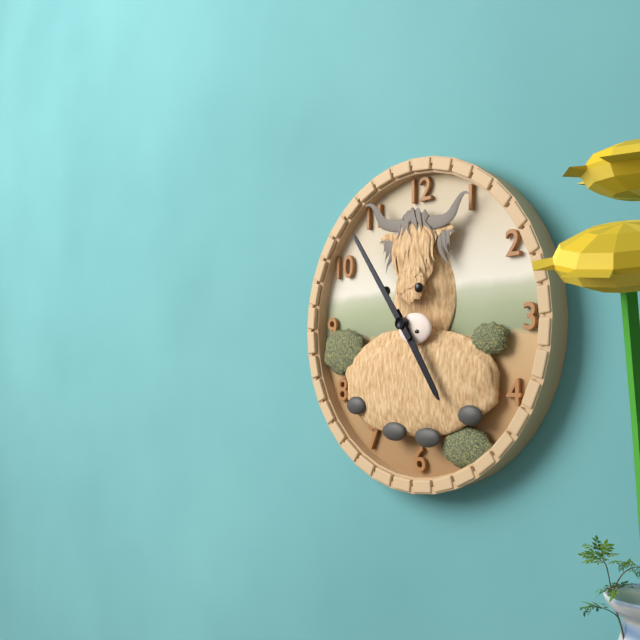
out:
4 h 54 min
